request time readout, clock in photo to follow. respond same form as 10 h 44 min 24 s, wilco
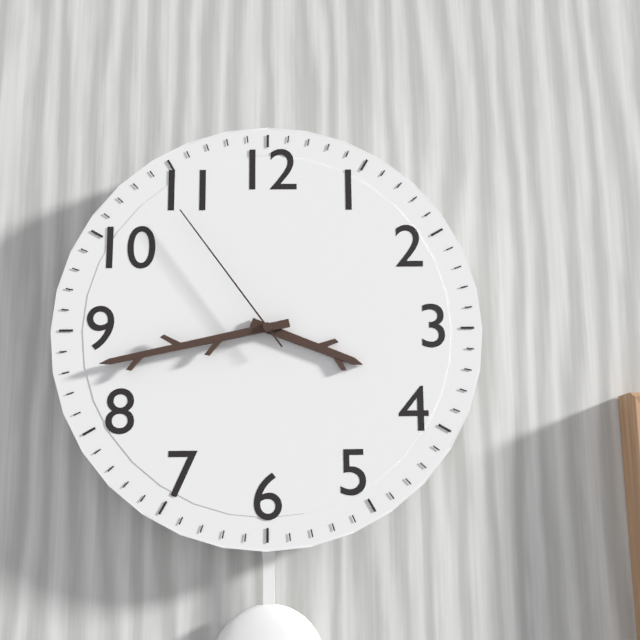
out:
3 h 43 min 54 s
